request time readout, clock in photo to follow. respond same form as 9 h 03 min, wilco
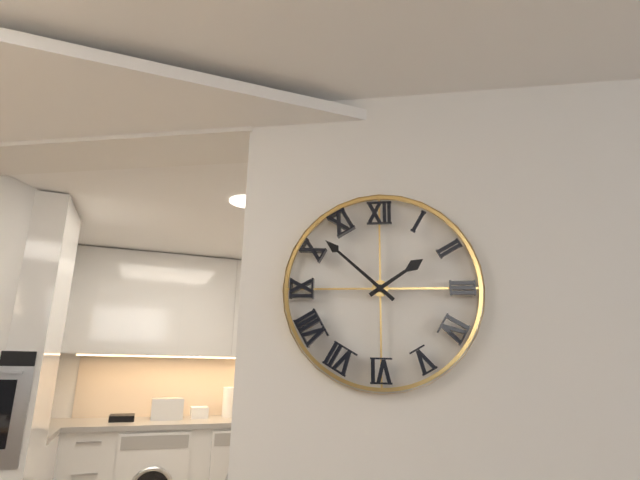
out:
1 h 52 min
